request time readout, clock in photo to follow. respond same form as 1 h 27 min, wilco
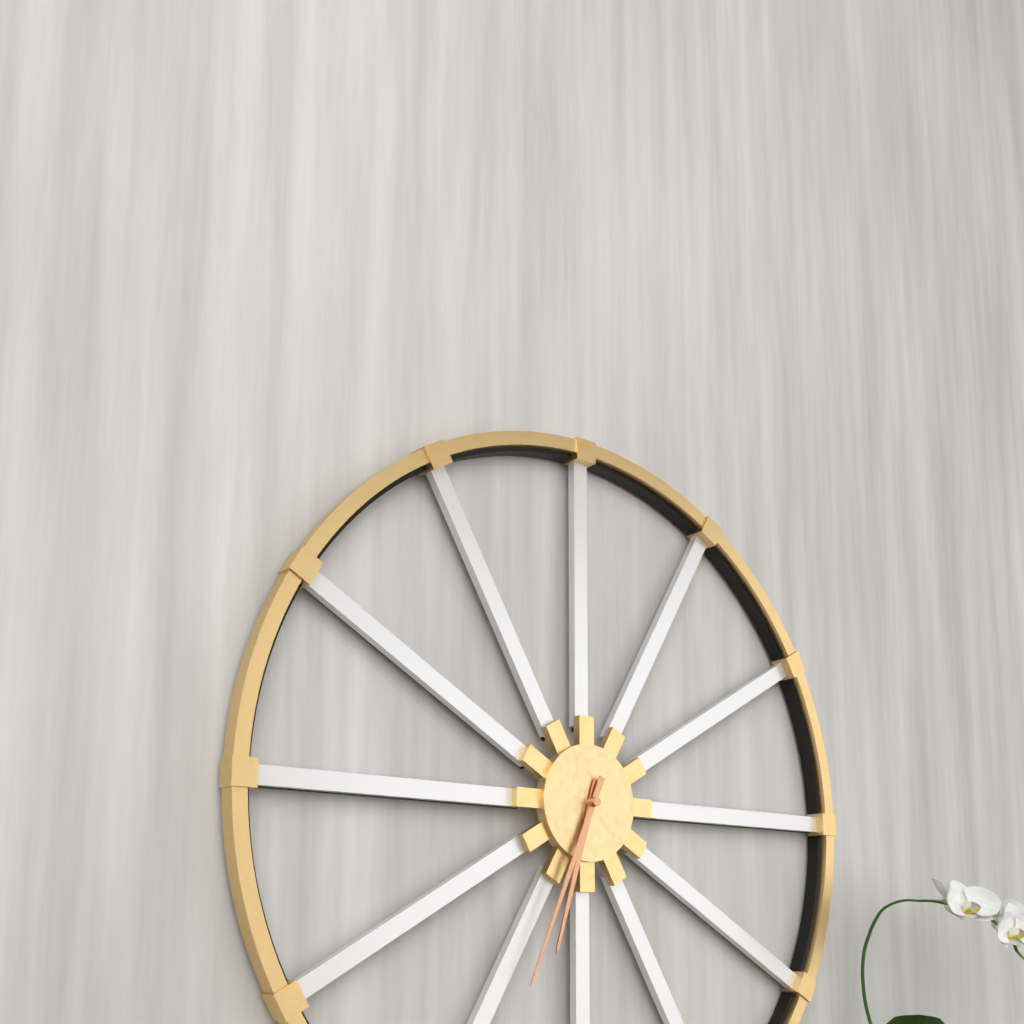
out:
6 h 34 min
